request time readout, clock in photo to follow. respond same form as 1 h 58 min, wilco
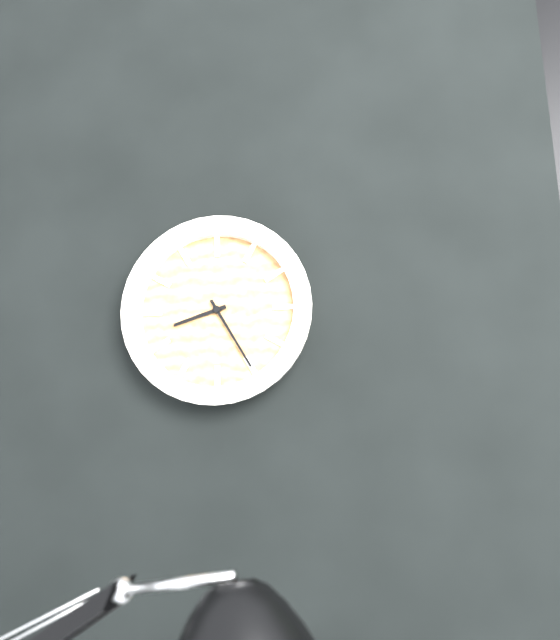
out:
8 h 25 min
